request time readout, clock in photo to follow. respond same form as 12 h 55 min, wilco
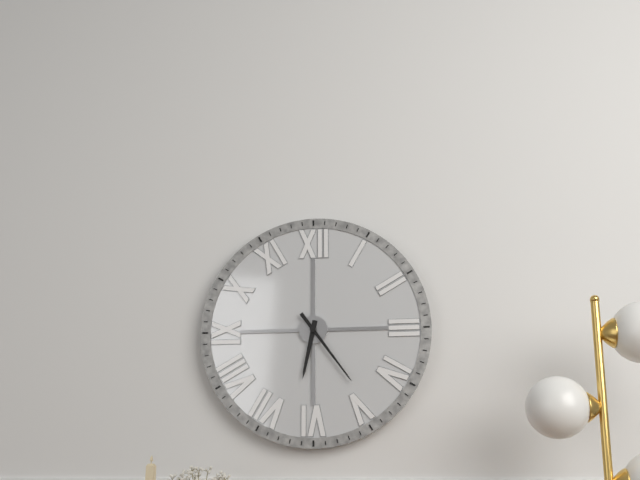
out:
6 h 24 min
